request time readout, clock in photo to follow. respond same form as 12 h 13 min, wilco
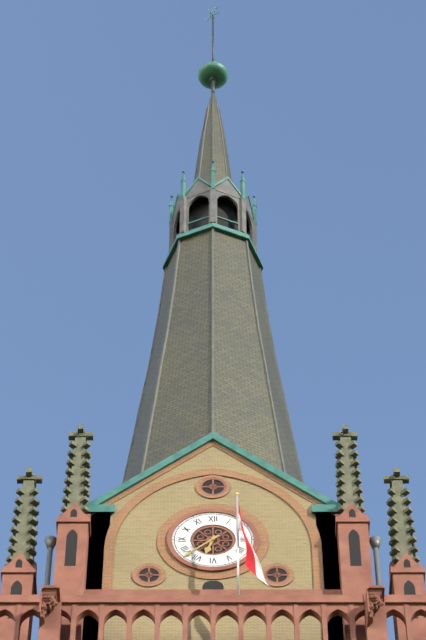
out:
6 h 38 min
